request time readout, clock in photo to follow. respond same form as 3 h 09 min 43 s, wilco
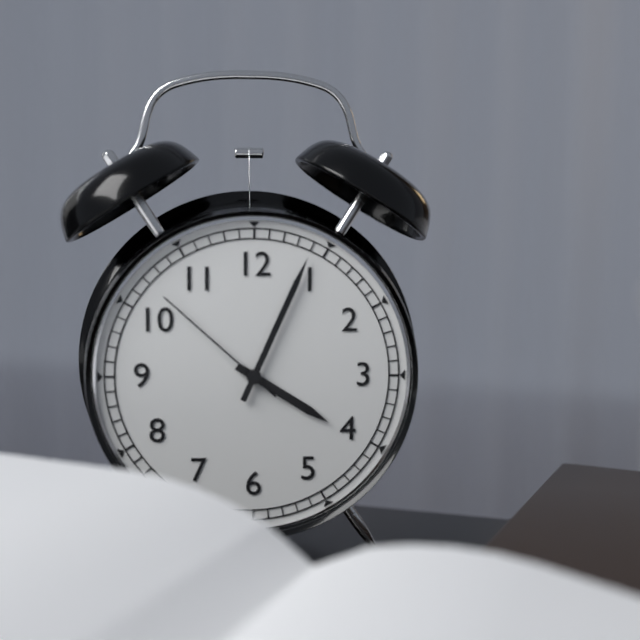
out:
4 h 04 min 52 s
